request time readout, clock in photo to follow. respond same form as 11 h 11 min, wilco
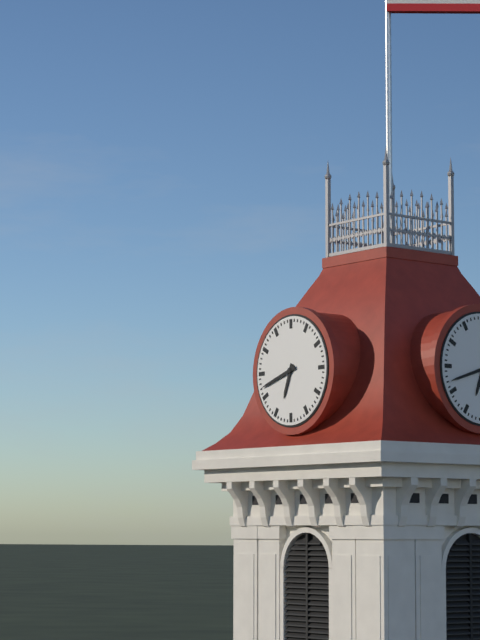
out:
6 h 42 min
